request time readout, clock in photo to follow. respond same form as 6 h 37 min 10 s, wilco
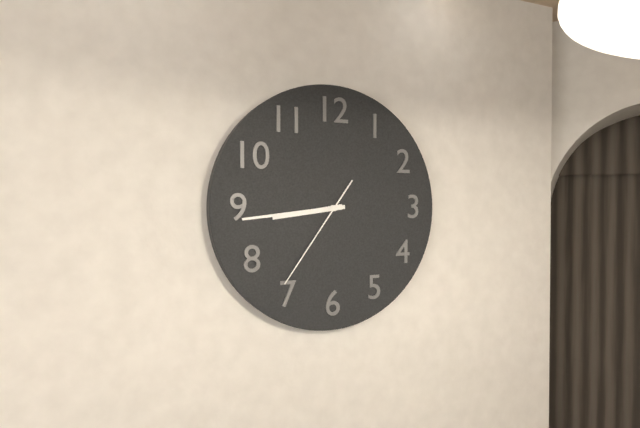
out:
8 h 44 min 36 s
